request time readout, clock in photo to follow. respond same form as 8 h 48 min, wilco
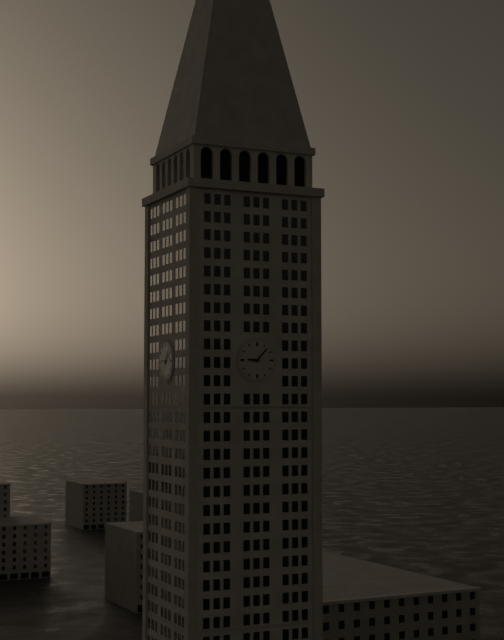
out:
9 h 07 min
